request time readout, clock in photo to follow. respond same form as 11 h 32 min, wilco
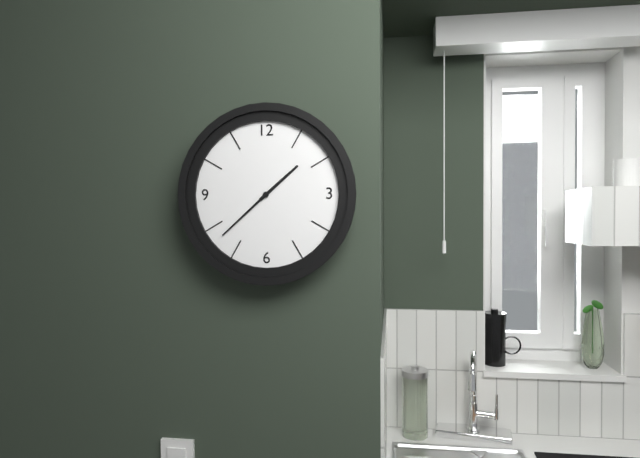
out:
1 h 38 min
